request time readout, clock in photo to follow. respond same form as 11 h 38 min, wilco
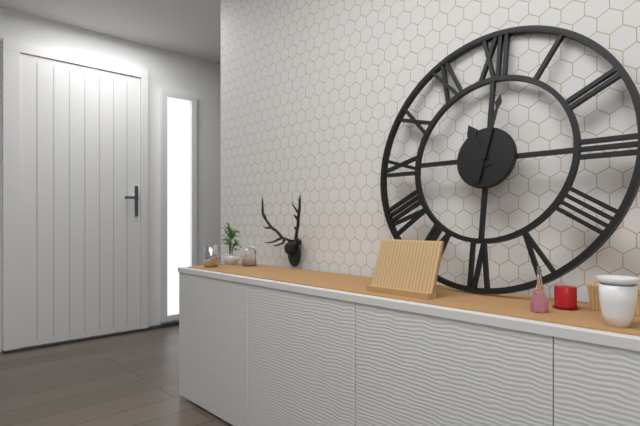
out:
11 h 02 min
